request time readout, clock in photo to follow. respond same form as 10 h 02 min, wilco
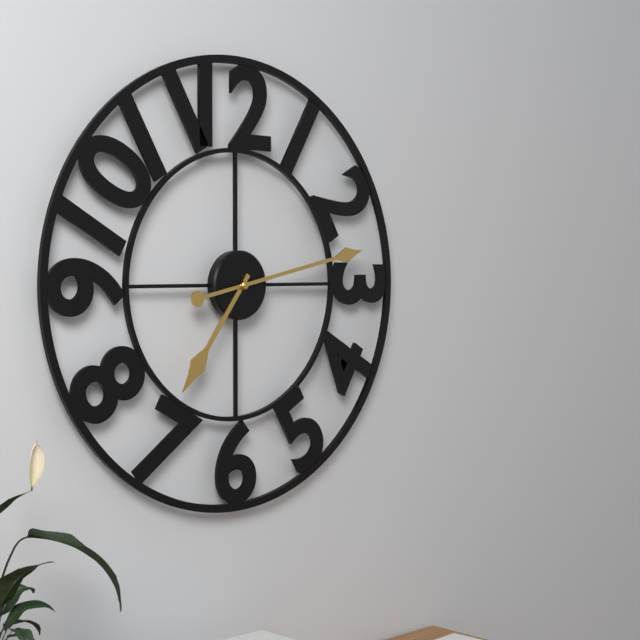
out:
7 h 13 min
